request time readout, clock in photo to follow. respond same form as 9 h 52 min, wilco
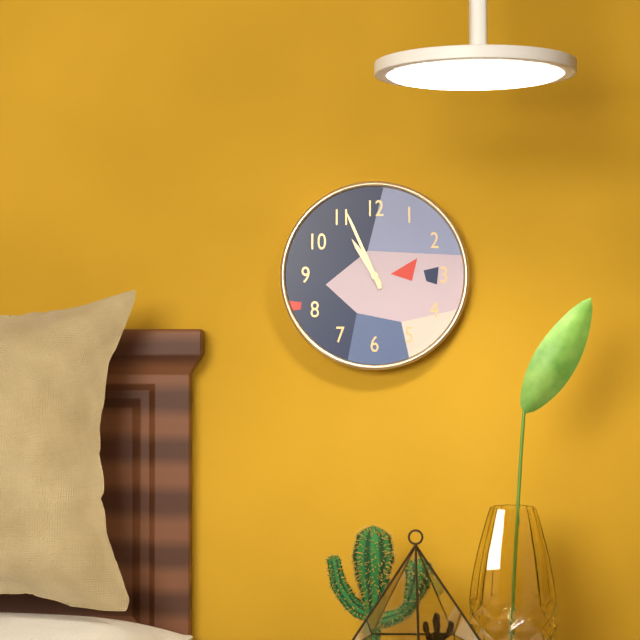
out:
10 h 56 min
